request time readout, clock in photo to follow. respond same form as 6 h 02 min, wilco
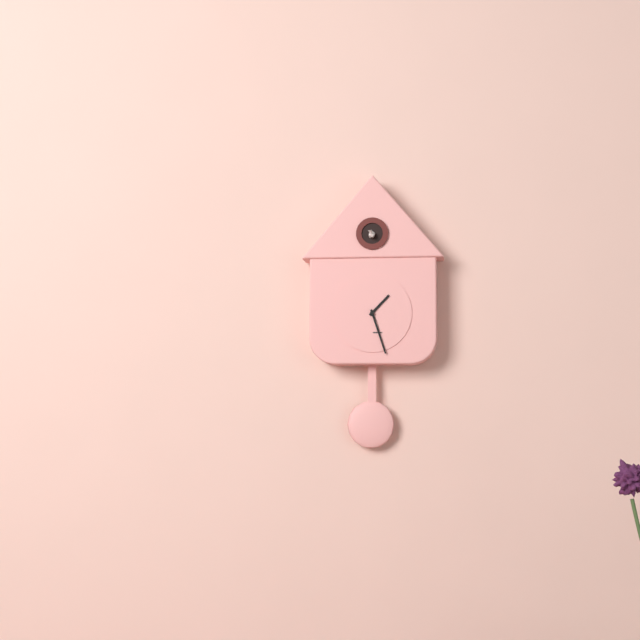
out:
1 h 27 min
